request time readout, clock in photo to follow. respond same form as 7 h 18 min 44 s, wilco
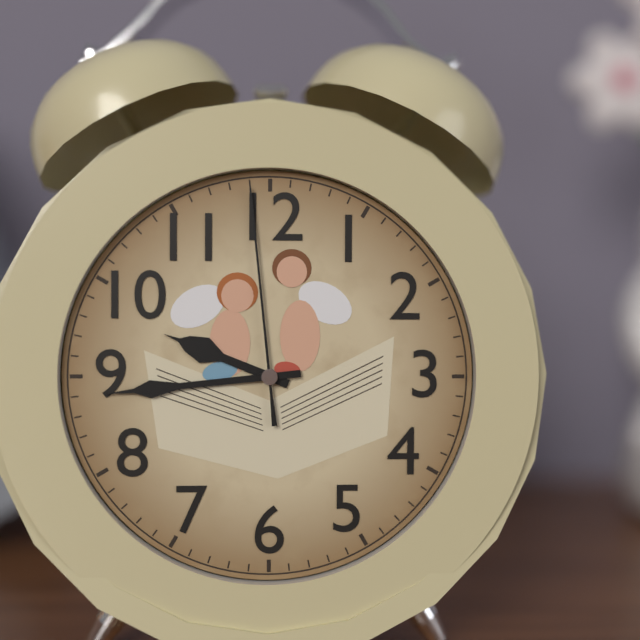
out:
9 h 44 min 59 s
